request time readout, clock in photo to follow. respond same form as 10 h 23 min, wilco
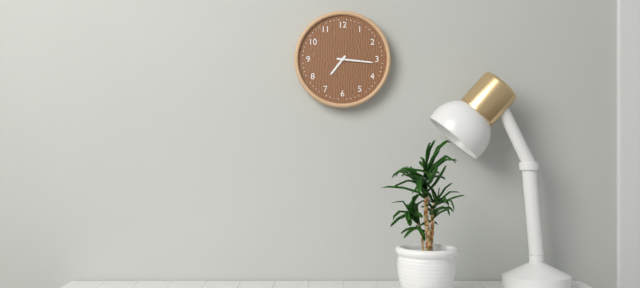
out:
7 h 16 min
